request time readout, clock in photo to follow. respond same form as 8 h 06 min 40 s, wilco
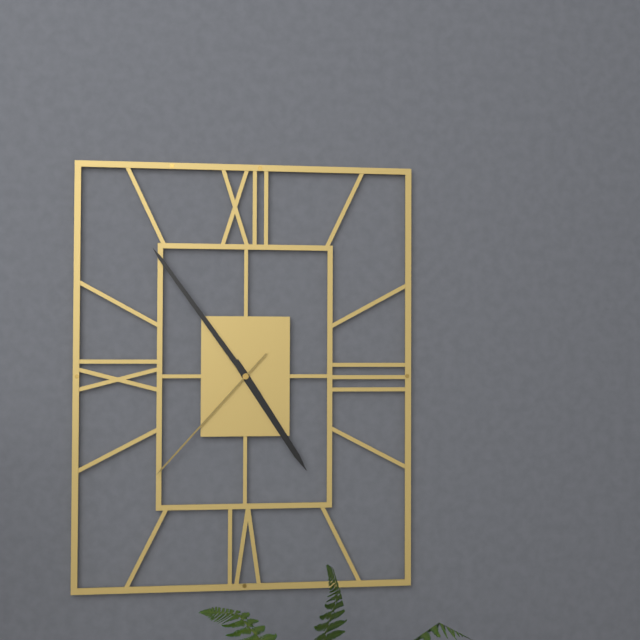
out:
4 h 54 min 37 s
